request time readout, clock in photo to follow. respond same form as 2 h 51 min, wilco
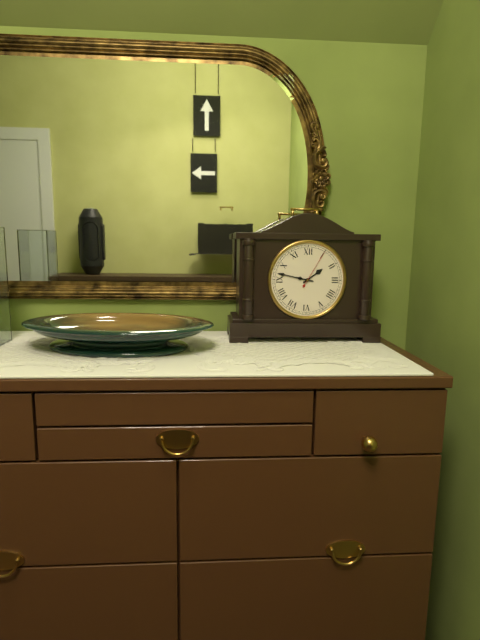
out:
1 h 47 min
